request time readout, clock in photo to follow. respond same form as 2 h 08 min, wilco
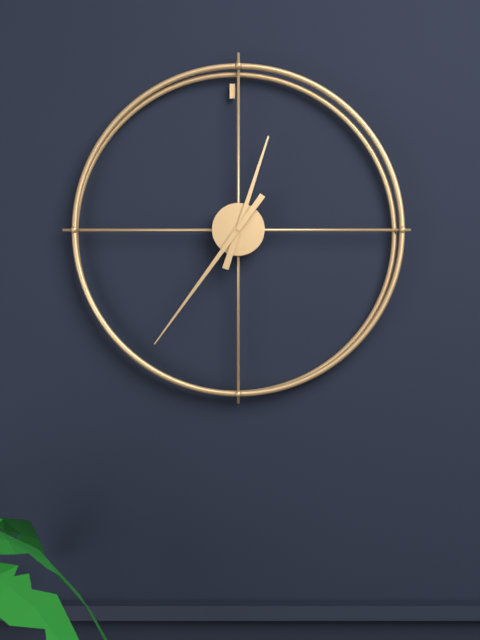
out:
12 h 36 min
